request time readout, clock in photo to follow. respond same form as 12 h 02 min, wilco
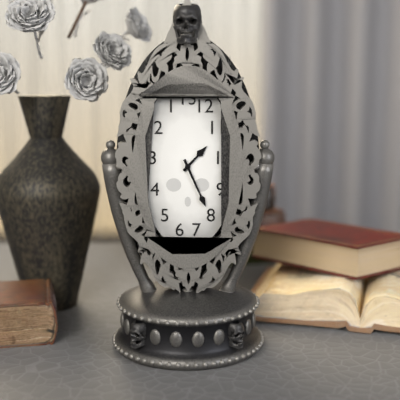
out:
1 h 26 min
